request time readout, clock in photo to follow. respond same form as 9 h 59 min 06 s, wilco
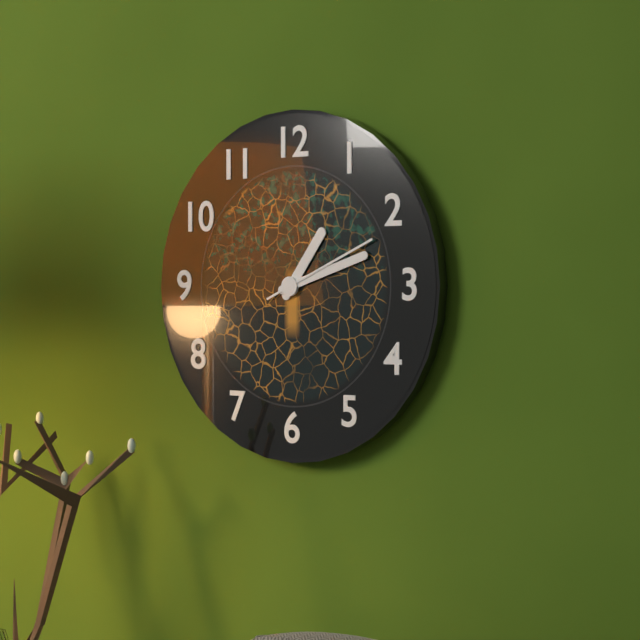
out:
1 h 12 min 11 s
